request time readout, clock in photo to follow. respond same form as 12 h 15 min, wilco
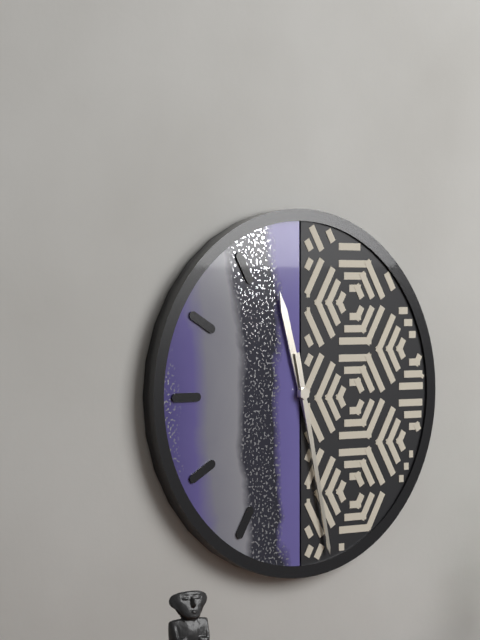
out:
11 h 28 min
